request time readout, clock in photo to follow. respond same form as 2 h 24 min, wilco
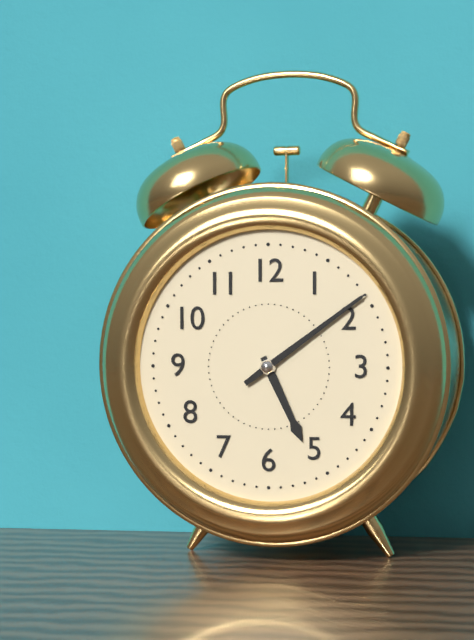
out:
5 h 09 min
